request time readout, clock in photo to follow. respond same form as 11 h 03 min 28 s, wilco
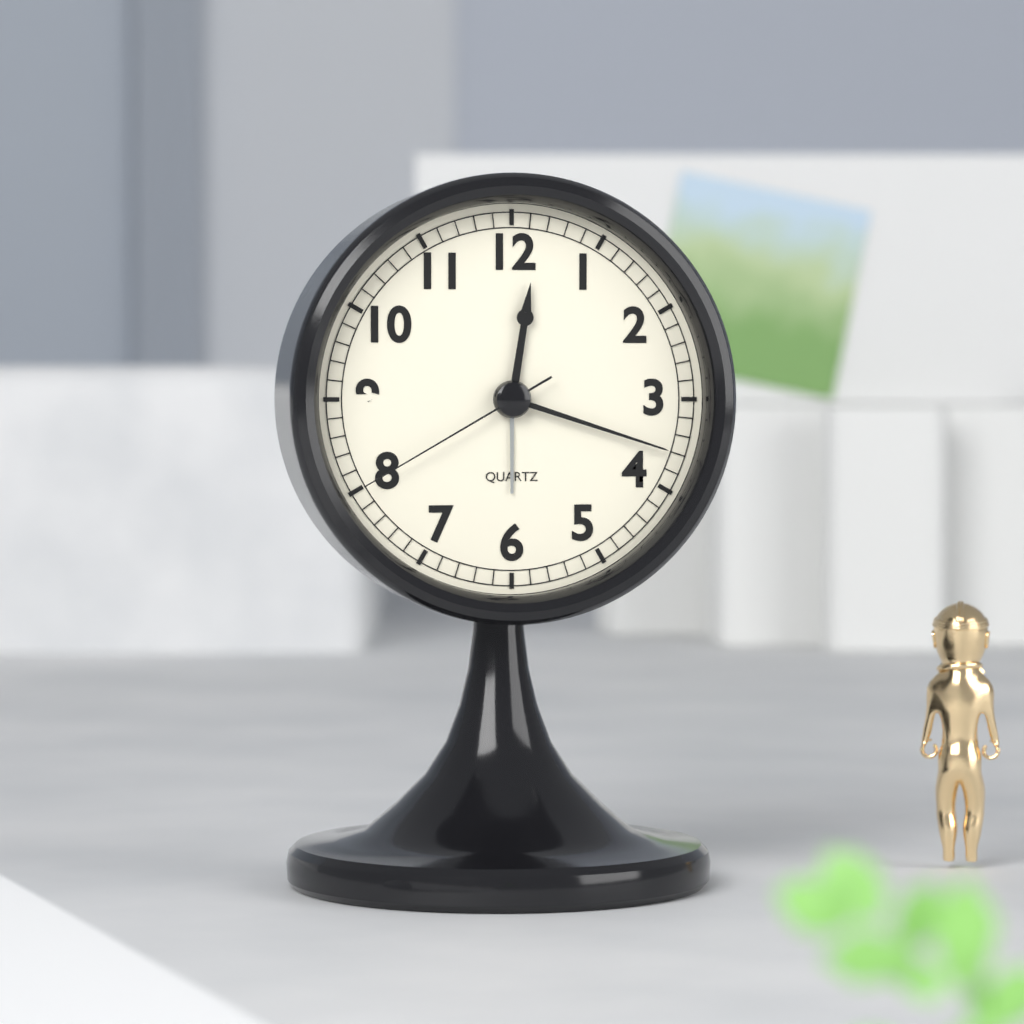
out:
12 h 18 min 40 s
